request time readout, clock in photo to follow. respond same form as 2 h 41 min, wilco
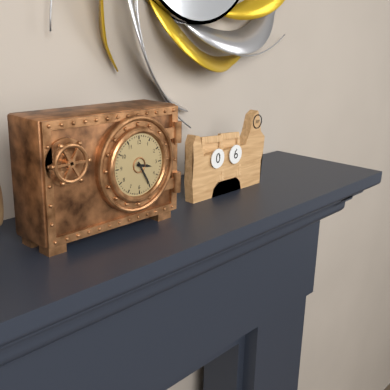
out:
3 h 25 min
